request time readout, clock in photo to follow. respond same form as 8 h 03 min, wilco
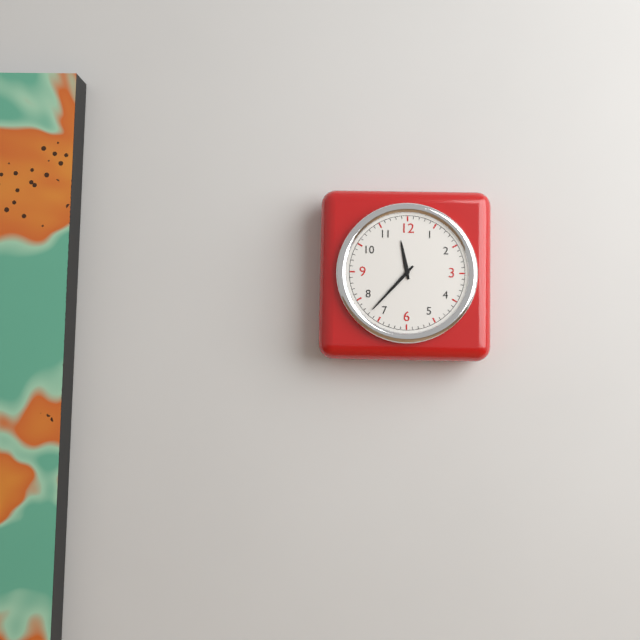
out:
11 h 37 min
